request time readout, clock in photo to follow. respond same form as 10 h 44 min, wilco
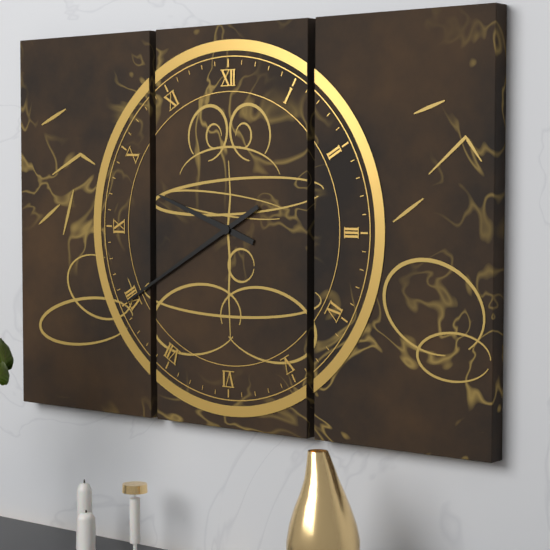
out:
9 h 40 min
